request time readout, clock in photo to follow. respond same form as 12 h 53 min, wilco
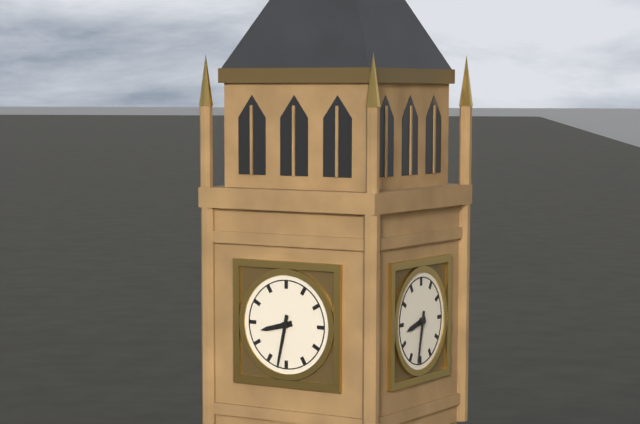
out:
8 h 32 min
